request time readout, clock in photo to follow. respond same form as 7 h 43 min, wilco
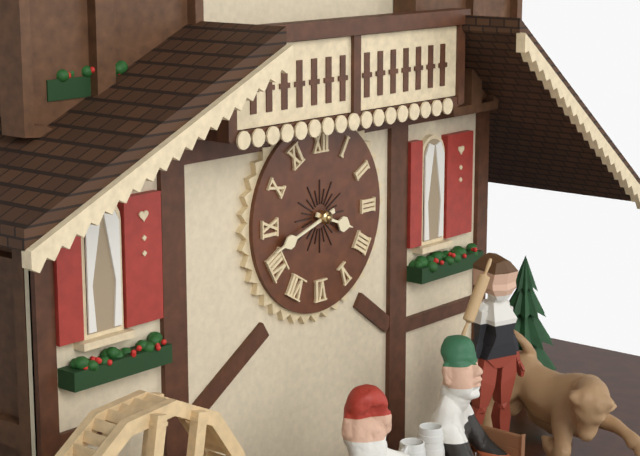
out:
3 h 42 min
